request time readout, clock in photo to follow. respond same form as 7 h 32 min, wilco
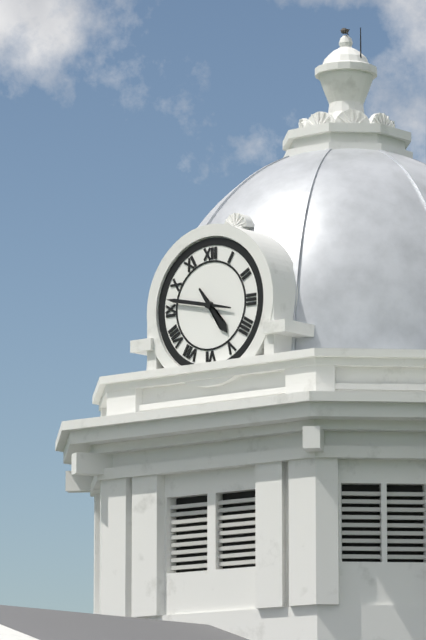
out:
4 h 47 min
